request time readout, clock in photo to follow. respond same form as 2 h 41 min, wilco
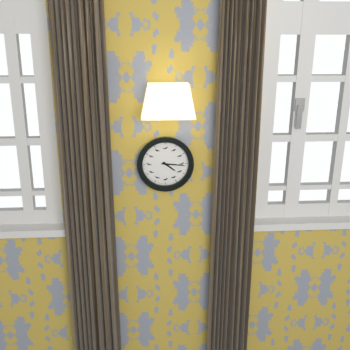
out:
4 h 16 min
